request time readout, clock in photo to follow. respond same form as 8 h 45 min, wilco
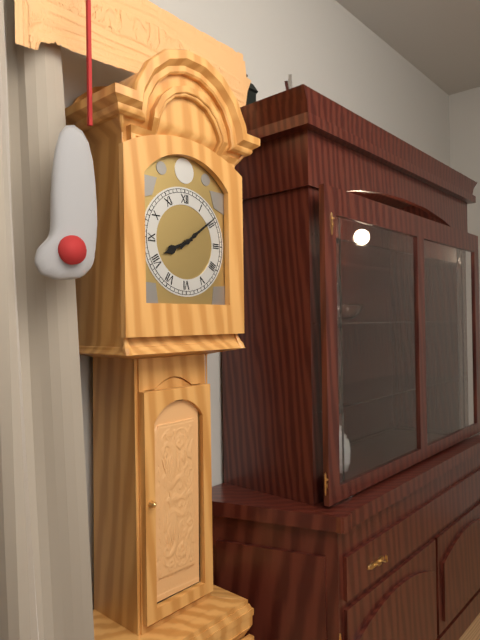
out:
8 h 09 min
